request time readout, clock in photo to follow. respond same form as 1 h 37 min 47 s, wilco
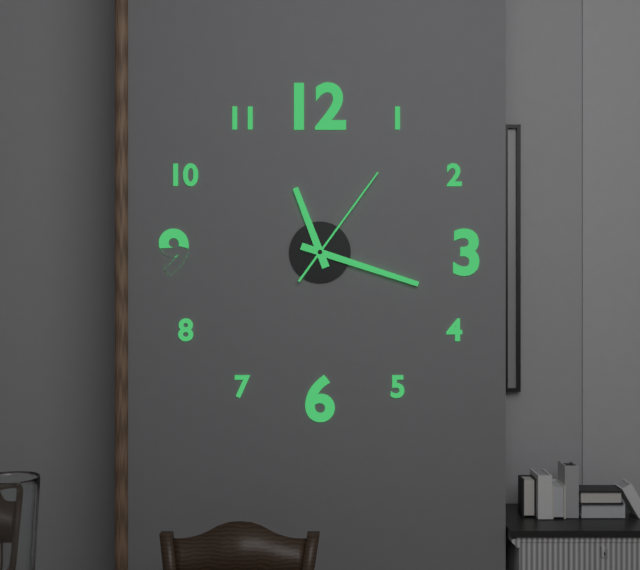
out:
11 h 18 min 06 s
